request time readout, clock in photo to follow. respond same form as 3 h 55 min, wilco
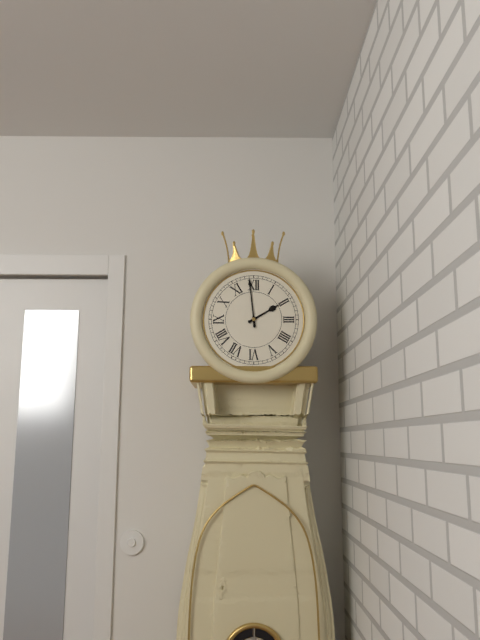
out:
1 h 59 min
